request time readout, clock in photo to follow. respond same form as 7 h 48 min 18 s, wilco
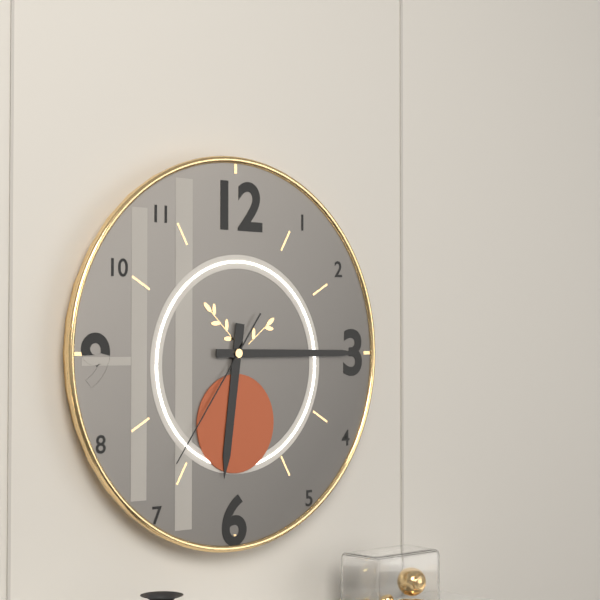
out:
6 h 15 min 36 s
